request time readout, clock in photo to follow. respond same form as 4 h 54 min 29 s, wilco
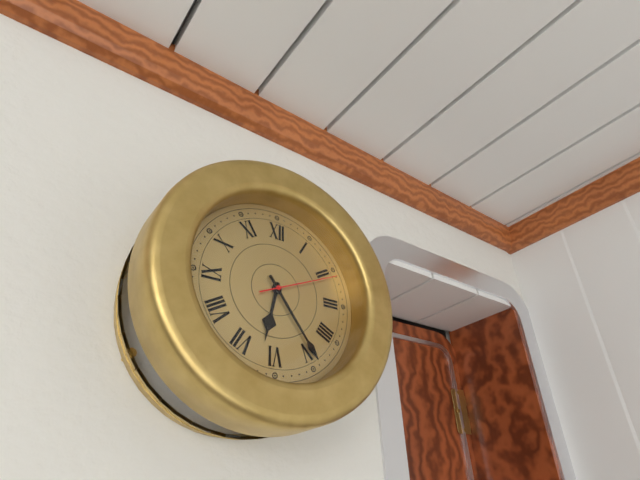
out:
6 h 24 min 11 s
